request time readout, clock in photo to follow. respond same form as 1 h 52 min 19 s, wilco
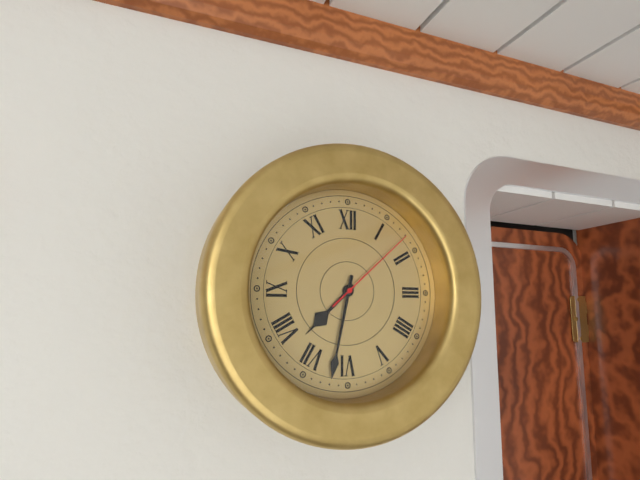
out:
7 h 32 min 08 s
